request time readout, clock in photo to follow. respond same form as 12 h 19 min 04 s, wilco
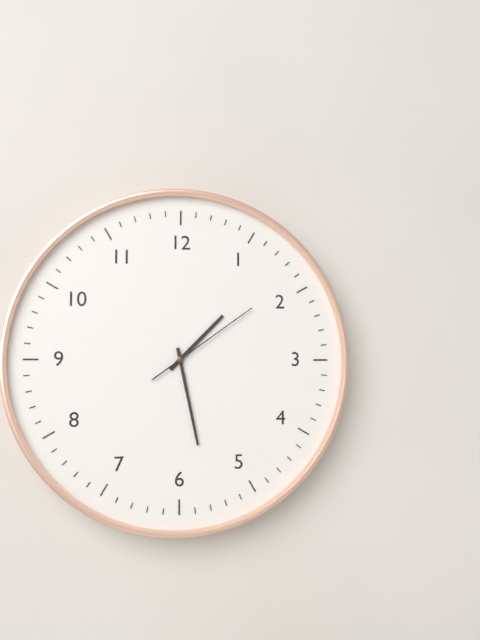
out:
1 h 28 min 09 s
